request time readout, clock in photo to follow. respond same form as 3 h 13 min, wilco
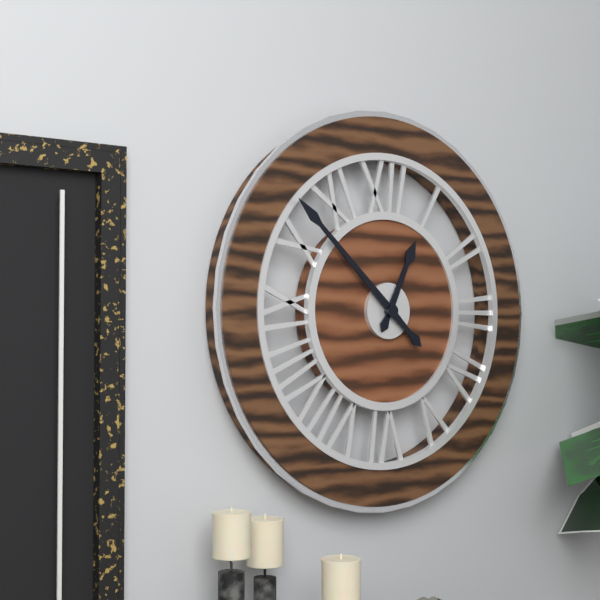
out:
12 h 52 min
